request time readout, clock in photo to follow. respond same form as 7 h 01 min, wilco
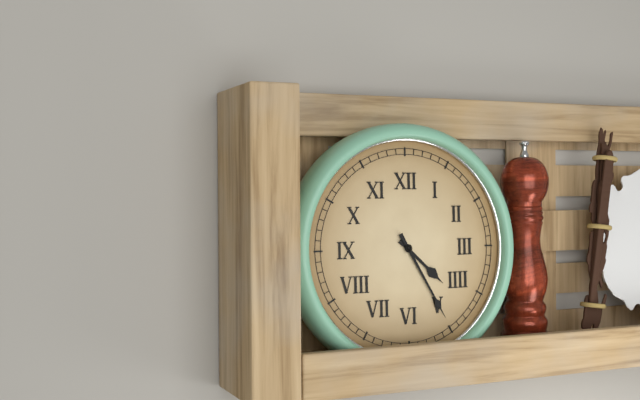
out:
4 h 25 min
